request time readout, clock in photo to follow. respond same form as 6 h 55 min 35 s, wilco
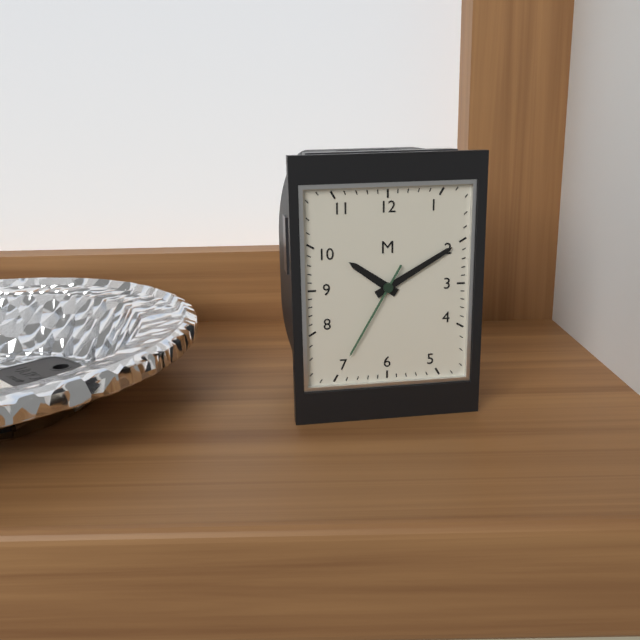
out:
10 h 10 min 35 s
